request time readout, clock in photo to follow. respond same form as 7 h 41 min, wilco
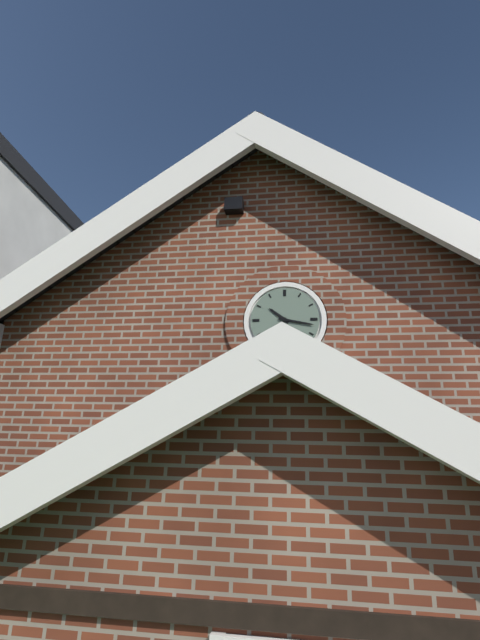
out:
10 h 17 min
